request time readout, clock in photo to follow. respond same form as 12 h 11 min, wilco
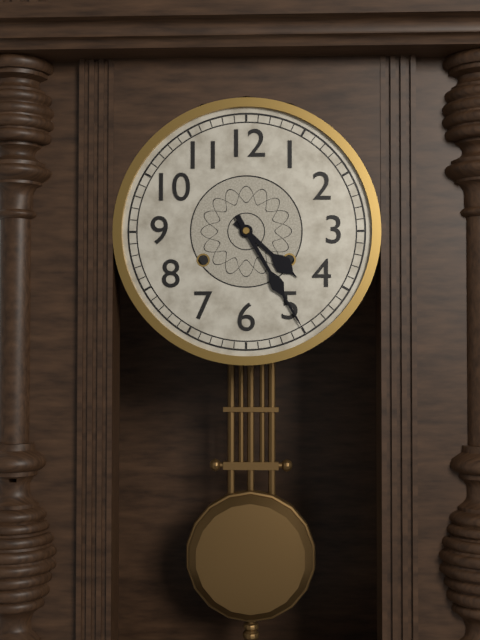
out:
4 h 25 min
